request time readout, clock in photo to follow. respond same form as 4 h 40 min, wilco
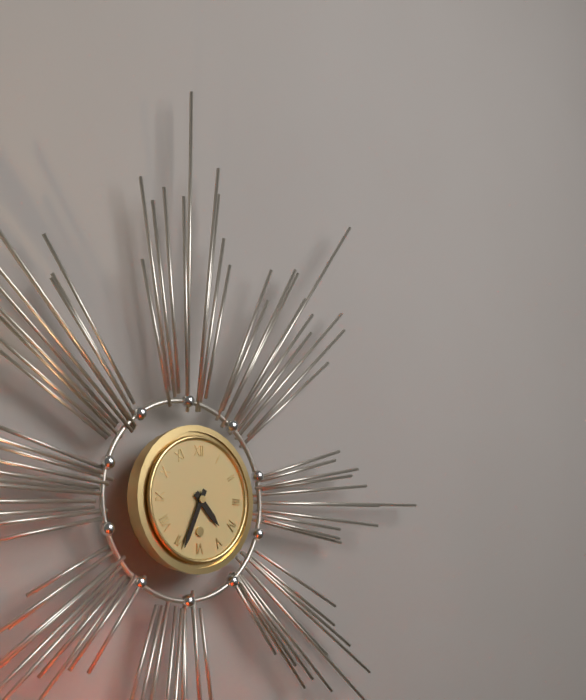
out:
4 h 34 min
